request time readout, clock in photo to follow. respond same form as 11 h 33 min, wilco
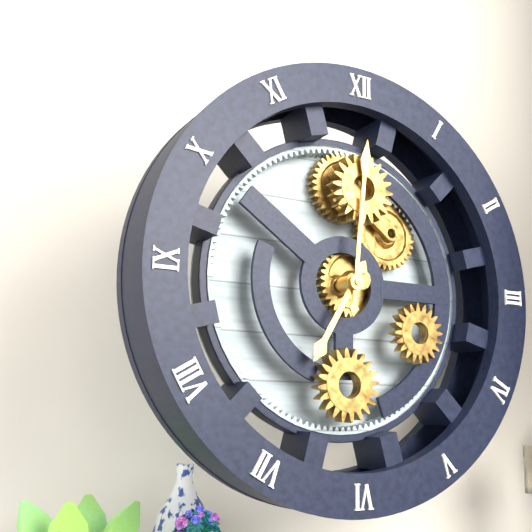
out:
7 h 01 min
